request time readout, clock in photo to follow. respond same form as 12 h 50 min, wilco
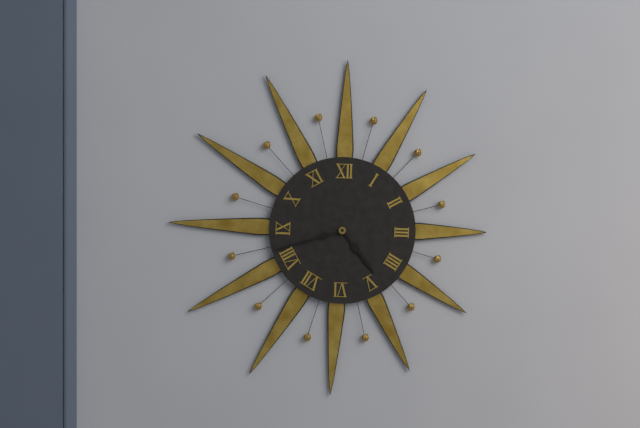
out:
4 h 42 min
